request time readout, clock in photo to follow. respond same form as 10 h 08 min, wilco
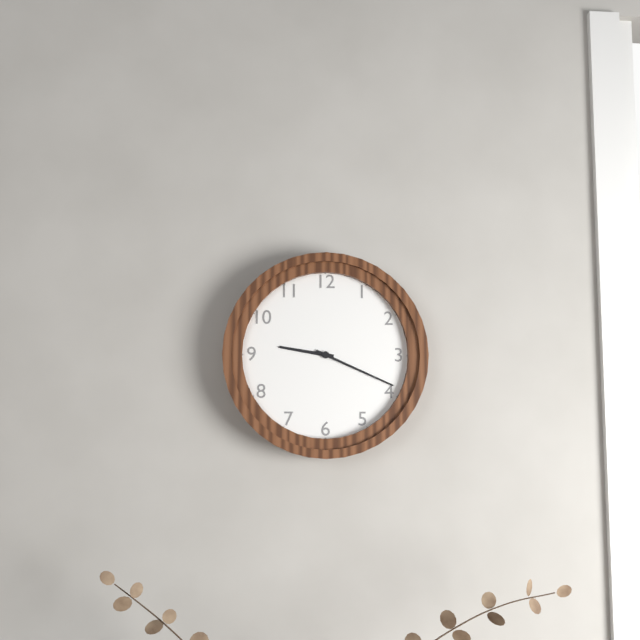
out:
9 h 19 min
